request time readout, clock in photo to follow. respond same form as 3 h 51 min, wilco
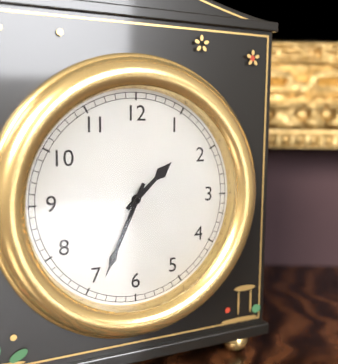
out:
1 h 34 min
